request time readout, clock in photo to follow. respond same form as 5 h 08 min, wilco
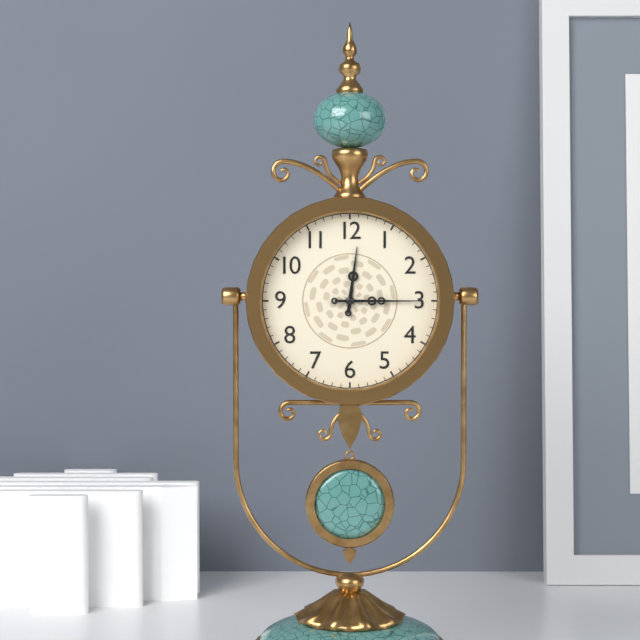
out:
12 h 15 min
